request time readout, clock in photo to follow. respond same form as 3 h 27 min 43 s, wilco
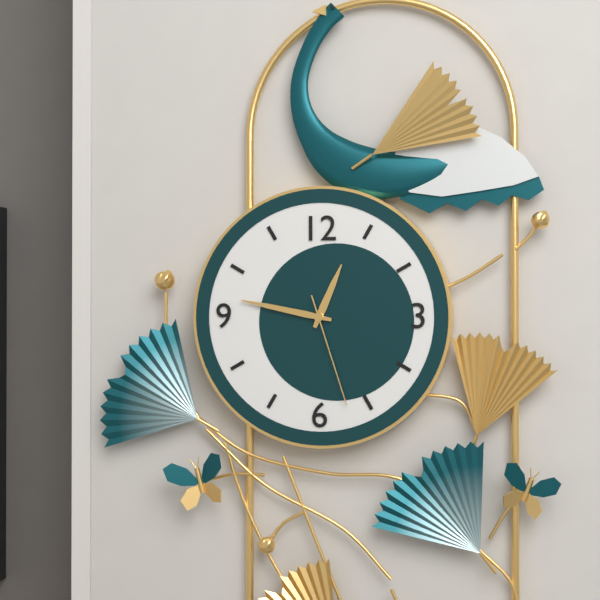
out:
12 h 47 min 27 s
